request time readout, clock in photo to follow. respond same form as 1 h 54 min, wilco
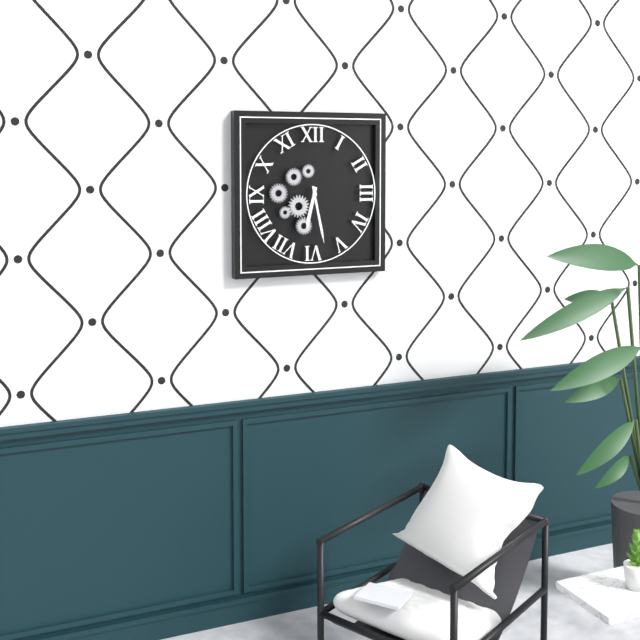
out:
6 h 28 min
